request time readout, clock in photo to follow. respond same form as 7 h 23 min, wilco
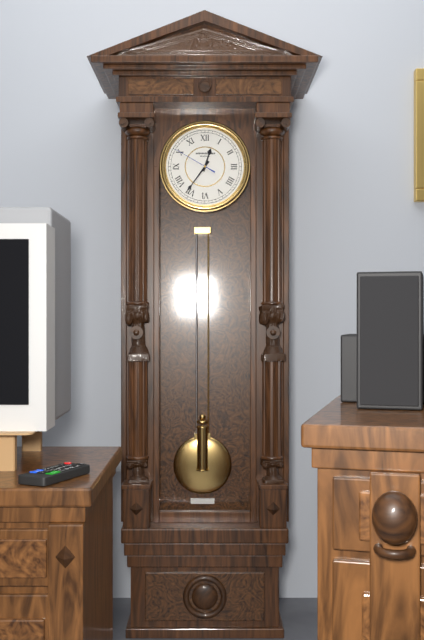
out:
12 h 36 min
